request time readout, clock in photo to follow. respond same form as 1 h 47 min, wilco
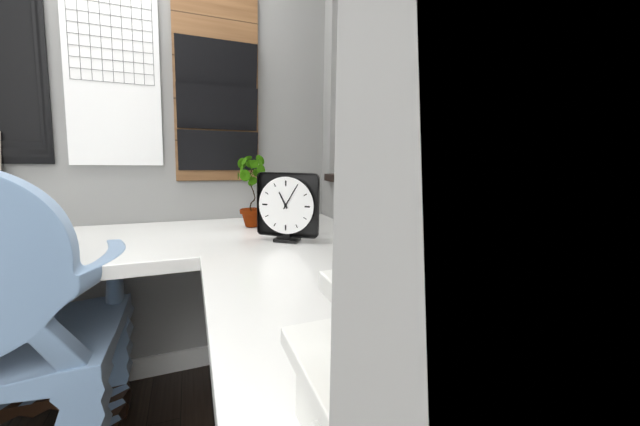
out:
11 h 05 min
